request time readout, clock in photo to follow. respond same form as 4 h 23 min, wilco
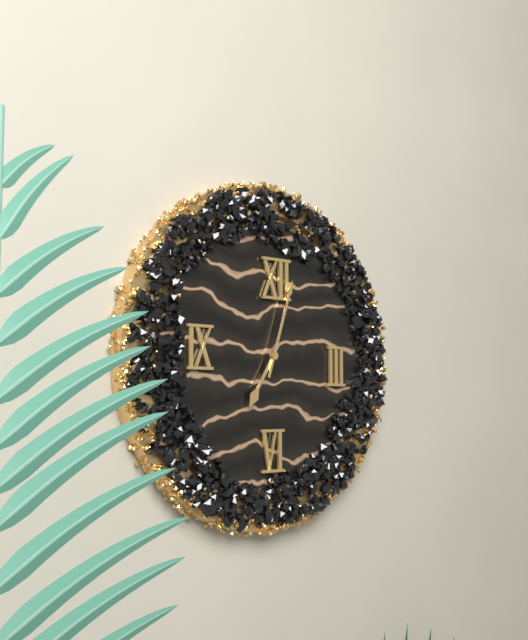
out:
7 h 03 min
